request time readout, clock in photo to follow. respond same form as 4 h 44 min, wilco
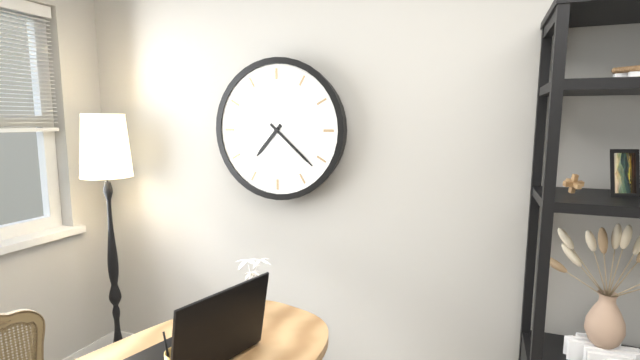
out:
7 h 22 min
